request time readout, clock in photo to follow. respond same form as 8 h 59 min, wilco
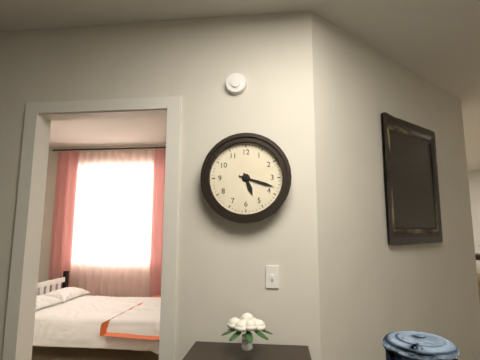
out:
5 h 18 min
